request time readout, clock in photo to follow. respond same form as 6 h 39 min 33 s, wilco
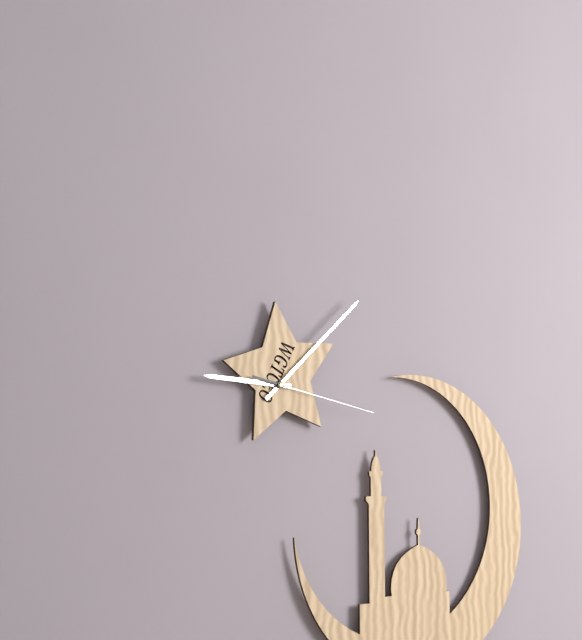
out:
9 h 08 min 17 s
